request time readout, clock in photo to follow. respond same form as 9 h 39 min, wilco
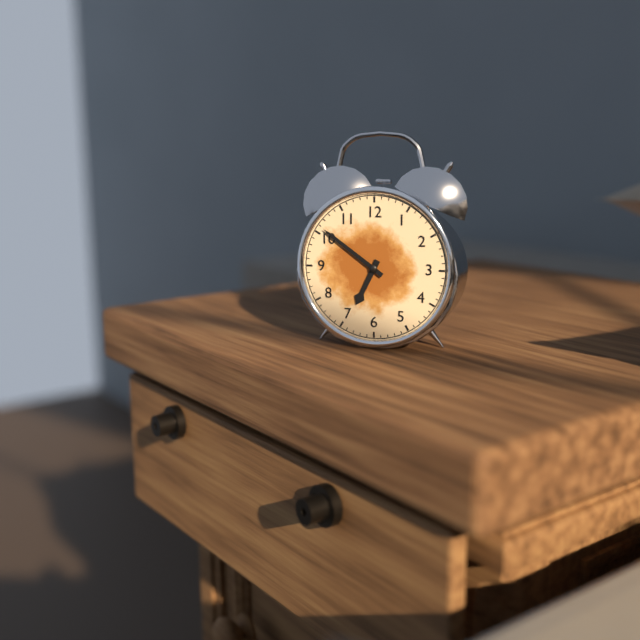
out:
6 h 51 min
